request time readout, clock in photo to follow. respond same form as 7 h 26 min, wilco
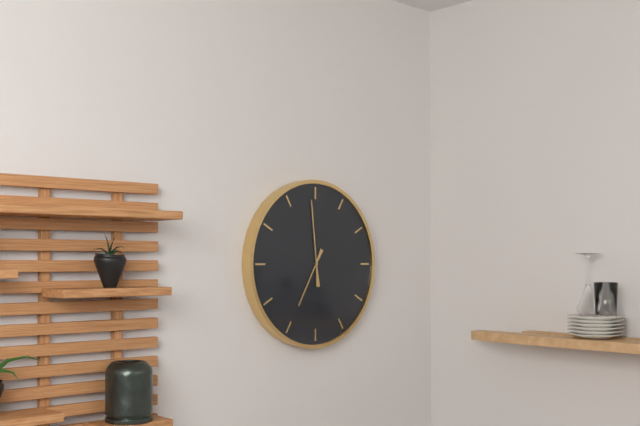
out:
6 h 59 min
